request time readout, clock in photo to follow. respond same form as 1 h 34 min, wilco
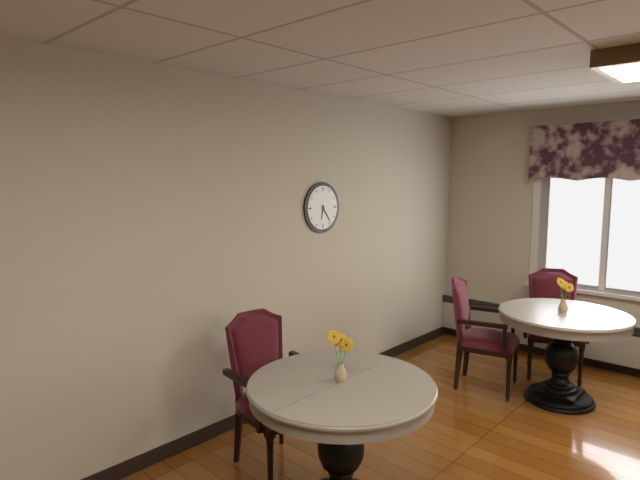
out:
6 h 24 min
